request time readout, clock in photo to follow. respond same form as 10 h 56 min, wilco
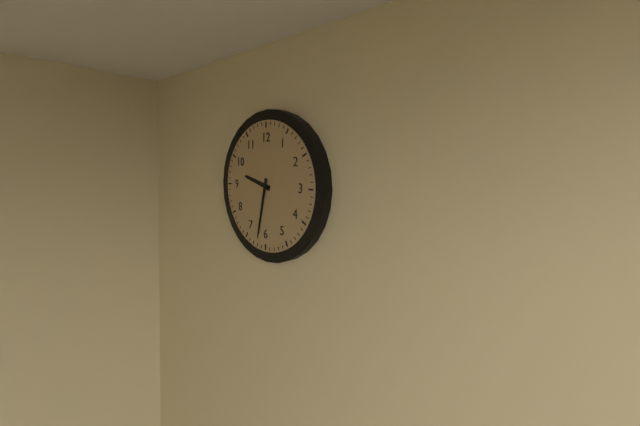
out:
9 h 32 min
